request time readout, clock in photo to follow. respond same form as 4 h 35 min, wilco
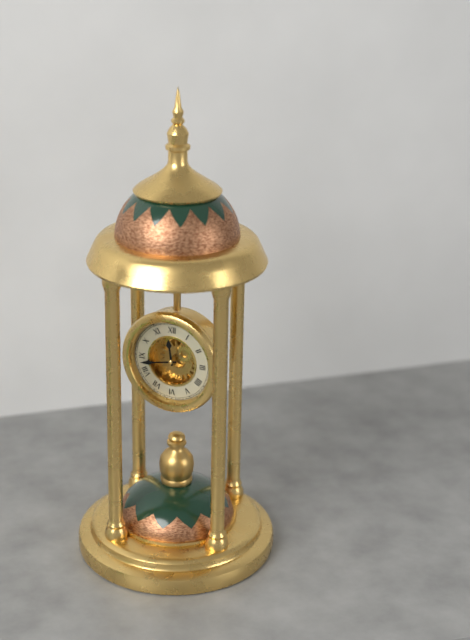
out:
11 h 43 min
